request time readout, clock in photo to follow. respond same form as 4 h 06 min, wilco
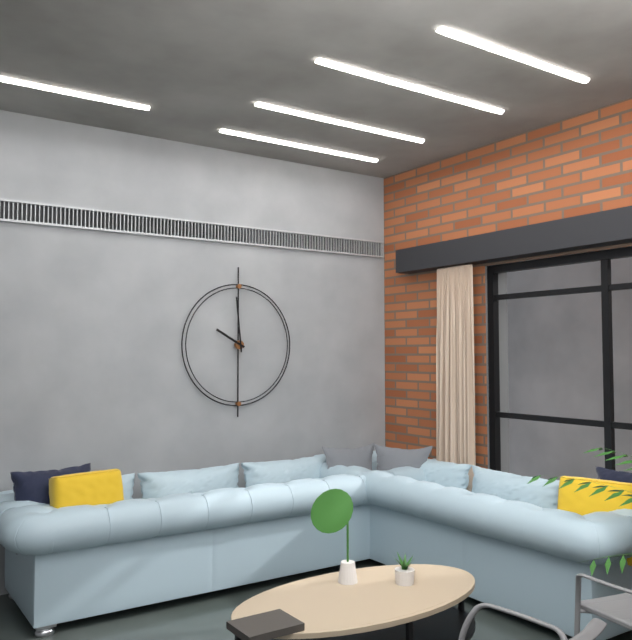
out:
9 h 59 min
